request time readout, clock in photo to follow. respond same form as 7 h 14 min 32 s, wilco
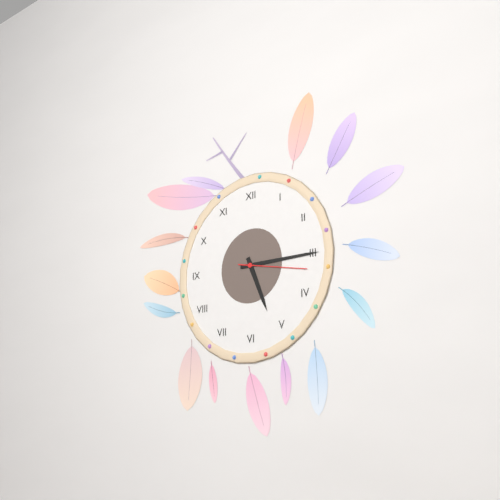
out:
5 h 15 min 17 s
